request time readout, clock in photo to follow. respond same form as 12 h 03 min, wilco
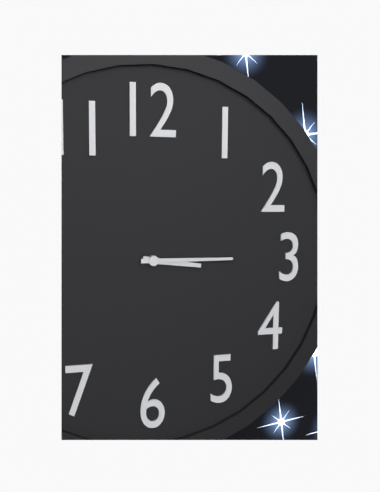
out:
3 h 15 min
